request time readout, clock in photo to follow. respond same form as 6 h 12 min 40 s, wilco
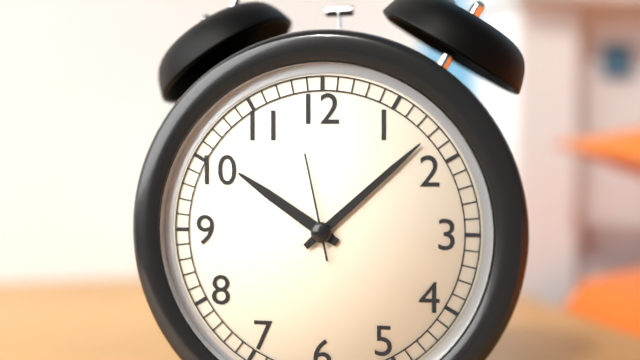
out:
10 h 08 min 58 s
